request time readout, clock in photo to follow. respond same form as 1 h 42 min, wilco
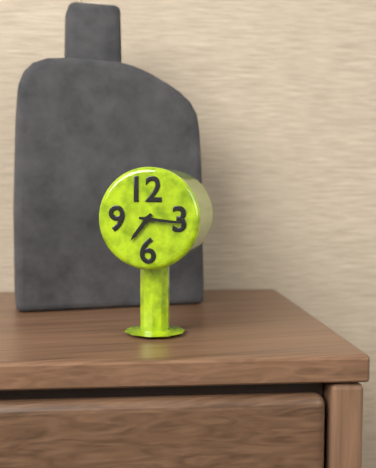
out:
7 h 16 min
